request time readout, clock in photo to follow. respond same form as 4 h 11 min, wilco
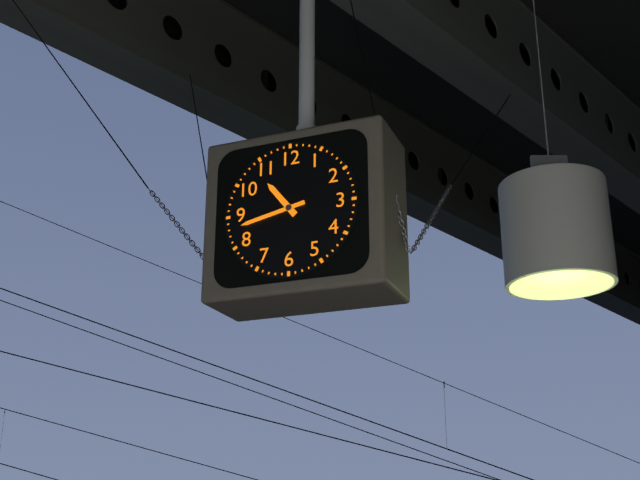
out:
10 h 43 min
